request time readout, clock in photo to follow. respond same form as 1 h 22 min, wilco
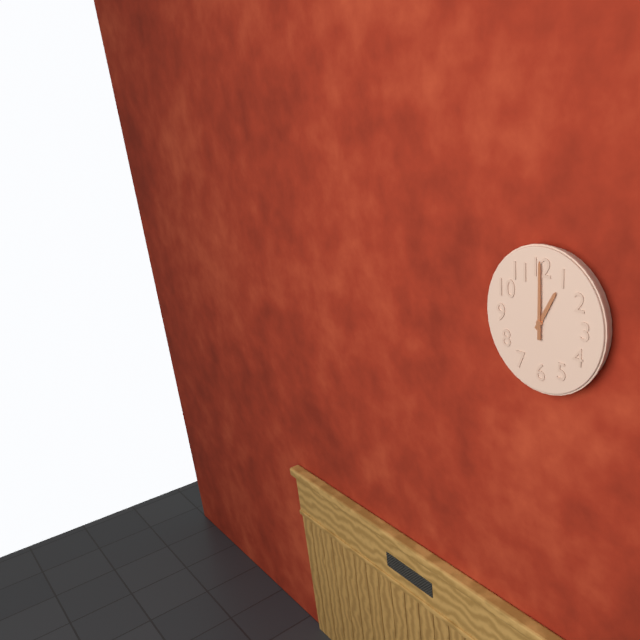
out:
1 h 00 min
